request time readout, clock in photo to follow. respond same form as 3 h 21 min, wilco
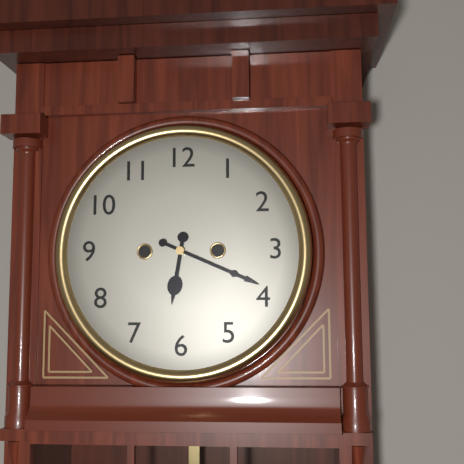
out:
6 h 19 min
